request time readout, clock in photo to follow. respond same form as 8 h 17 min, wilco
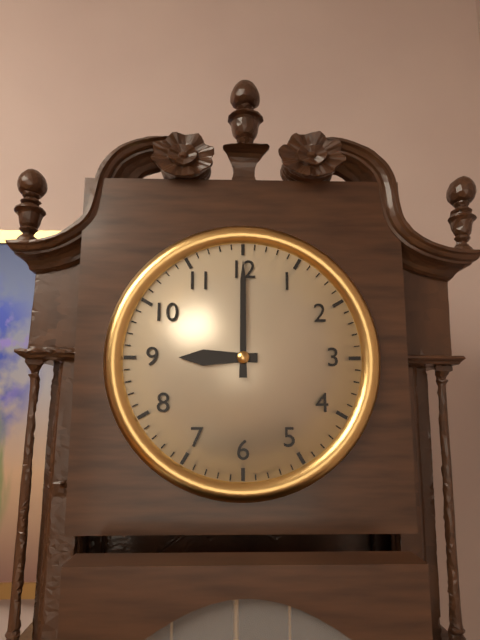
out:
9 h 00 min
